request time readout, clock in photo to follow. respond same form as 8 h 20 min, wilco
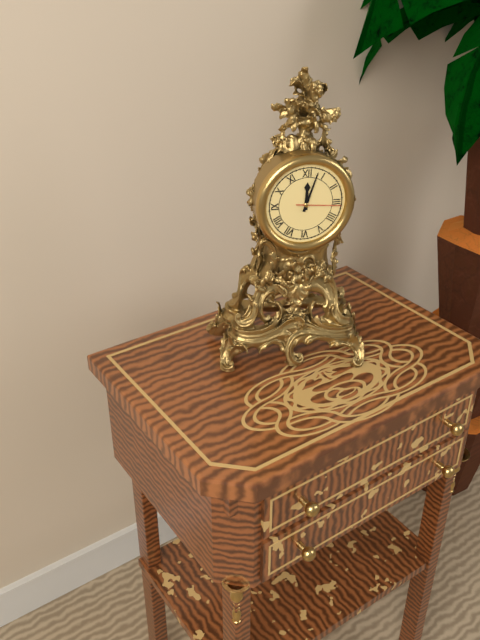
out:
12 h 03 min
